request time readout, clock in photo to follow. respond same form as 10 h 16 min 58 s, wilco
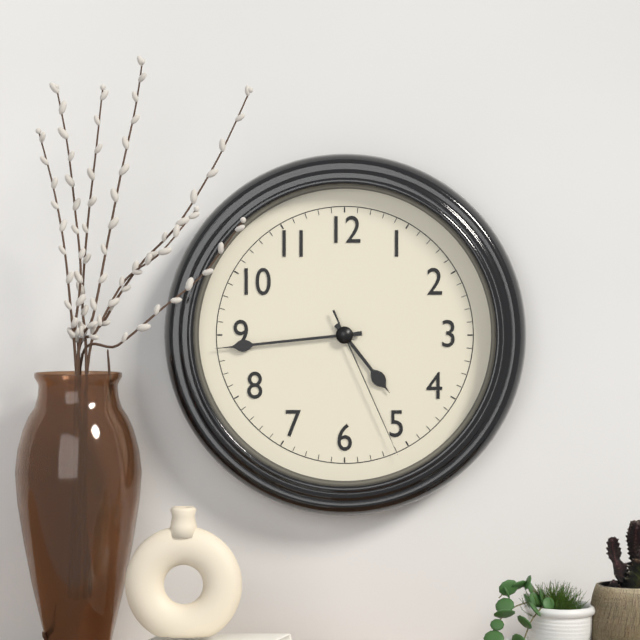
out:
4 h 44 min 26 s
